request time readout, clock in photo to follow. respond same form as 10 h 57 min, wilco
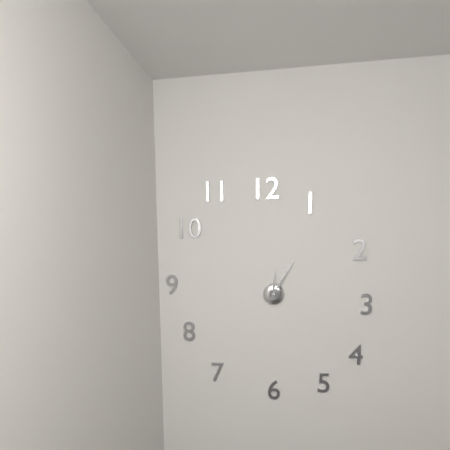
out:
12 h 05 min
